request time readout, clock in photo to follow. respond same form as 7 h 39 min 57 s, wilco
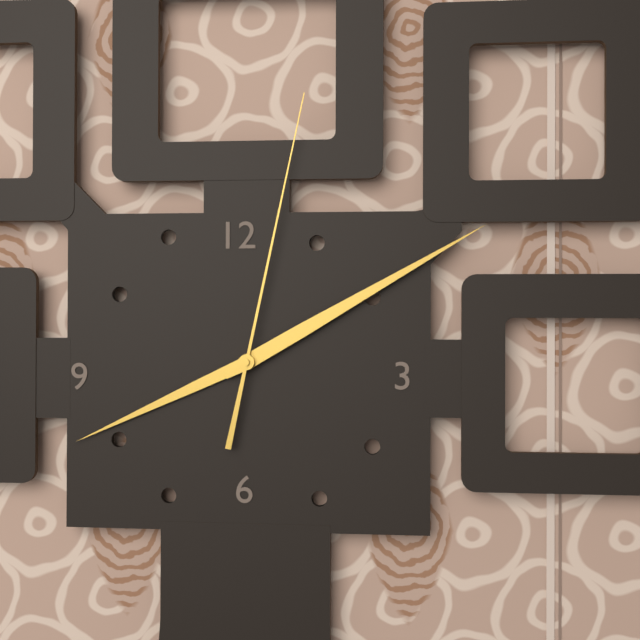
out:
8 h 10 min 02 s
